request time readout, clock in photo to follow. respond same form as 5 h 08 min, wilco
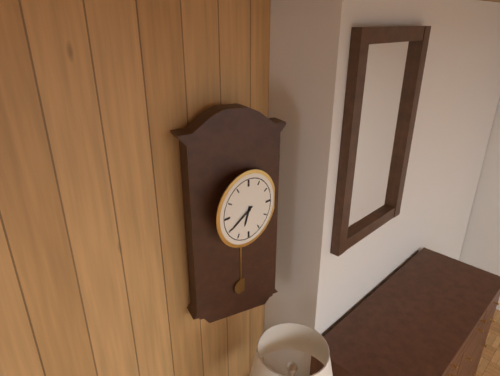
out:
6 h 40 min
